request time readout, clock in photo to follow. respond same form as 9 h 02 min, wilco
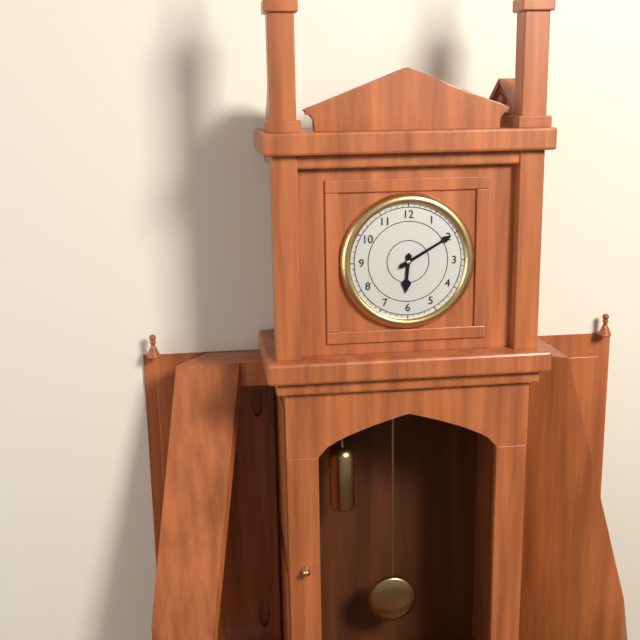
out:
6 h 10 min
